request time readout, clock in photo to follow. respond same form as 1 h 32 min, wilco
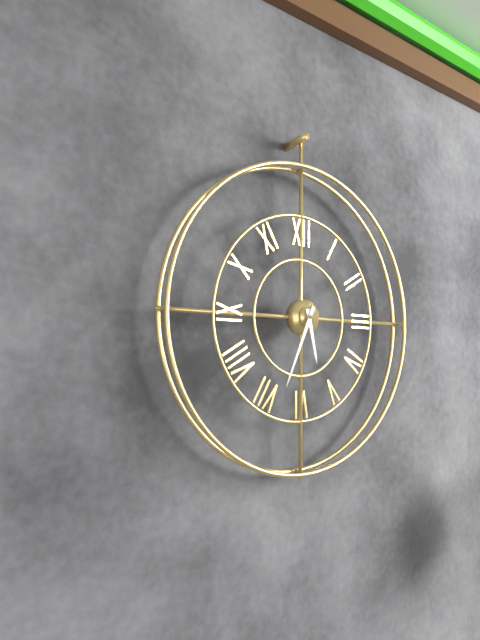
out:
5 h 34 min
